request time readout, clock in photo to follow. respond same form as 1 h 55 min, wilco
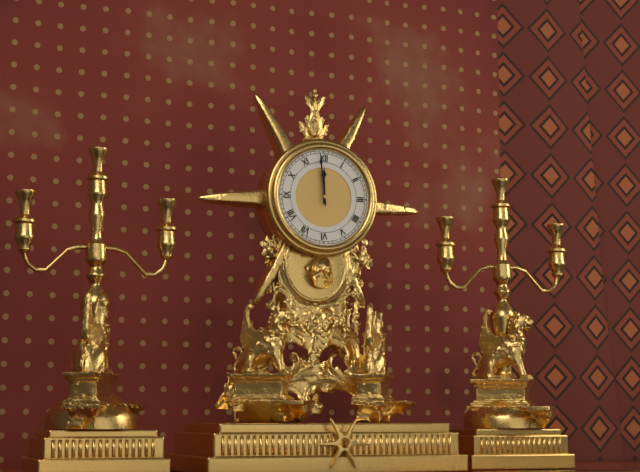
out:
11 h 59 min
